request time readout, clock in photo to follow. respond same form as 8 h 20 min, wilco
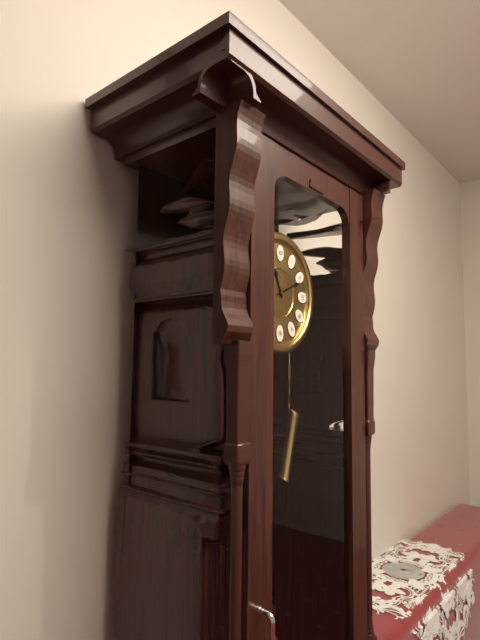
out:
11 h 11 min
